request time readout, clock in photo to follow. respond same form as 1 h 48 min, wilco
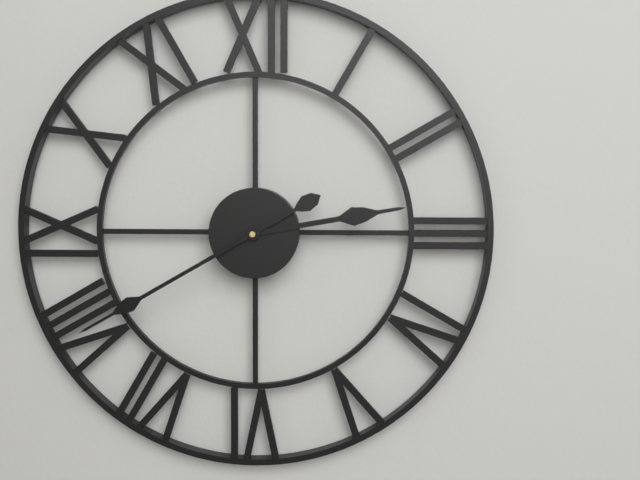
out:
2 h 40 min
